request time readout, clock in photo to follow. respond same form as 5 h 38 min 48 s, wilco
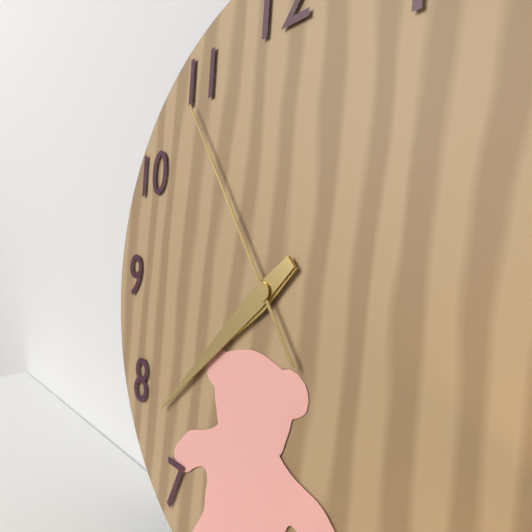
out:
7 h 38 min 54 s
